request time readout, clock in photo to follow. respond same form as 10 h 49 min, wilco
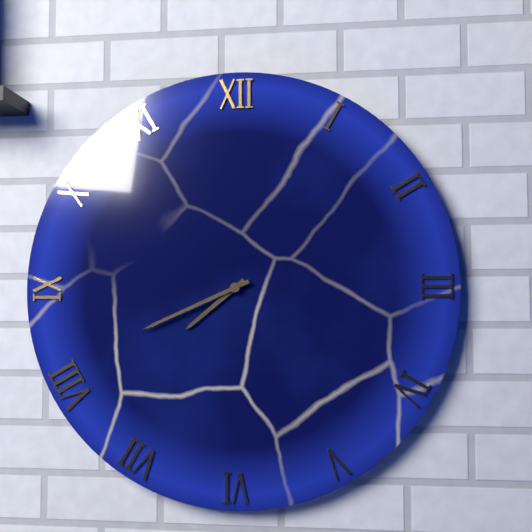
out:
7 h 41 min
